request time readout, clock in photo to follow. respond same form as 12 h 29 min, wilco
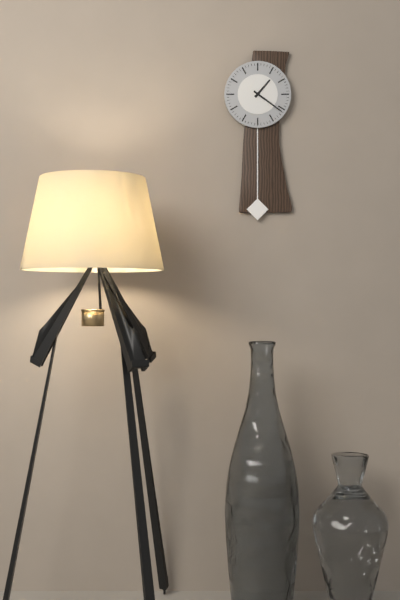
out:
1 h 21 min
